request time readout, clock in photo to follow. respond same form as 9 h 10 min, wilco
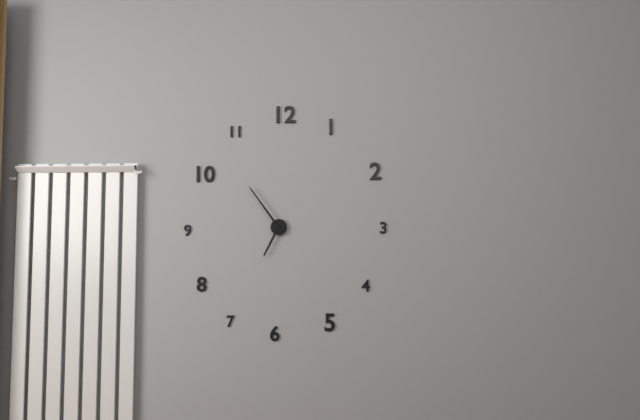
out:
6 h 54 min
